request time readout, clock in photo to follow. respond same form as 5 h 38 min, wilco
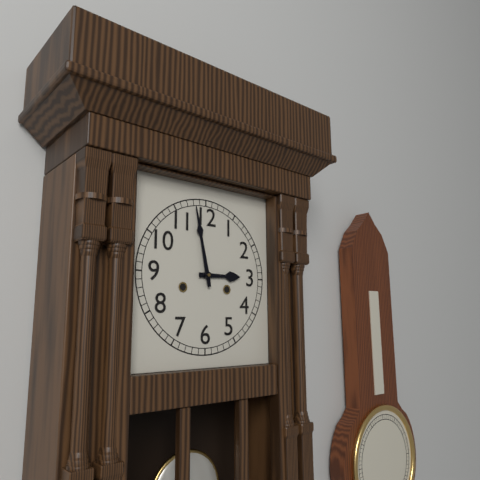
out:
2 h 58 min
